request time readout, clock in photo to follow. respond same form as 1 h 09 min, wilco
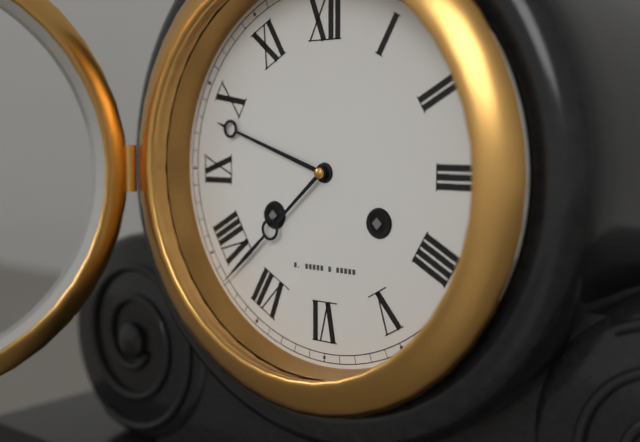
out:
9 h 38 min
